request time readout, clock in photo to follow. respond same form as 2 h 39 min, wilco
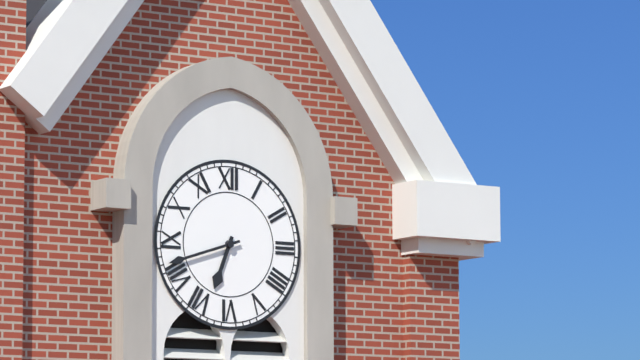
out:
6 h 42 min
